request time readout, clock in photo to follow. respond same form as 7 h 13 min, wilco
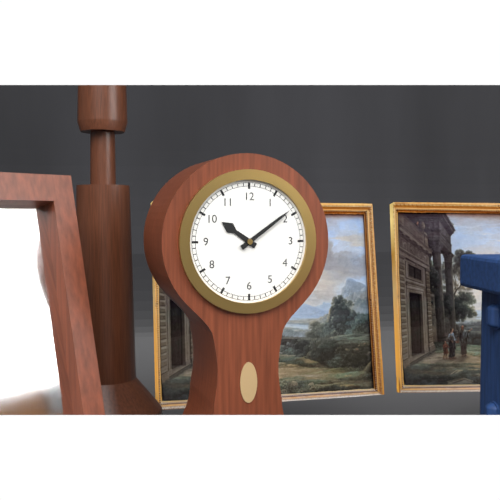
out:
10 h 09 min
